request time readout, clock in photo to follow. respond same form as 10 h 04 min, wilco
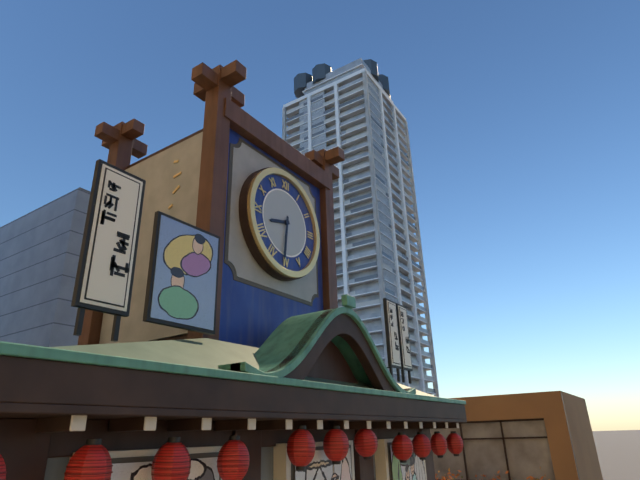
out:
8 h 31 min
